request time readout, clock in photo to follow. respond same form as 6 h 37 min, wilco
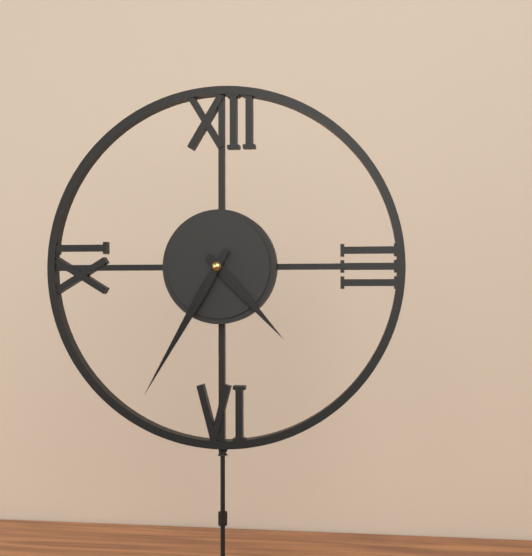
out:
4 h 35 min
